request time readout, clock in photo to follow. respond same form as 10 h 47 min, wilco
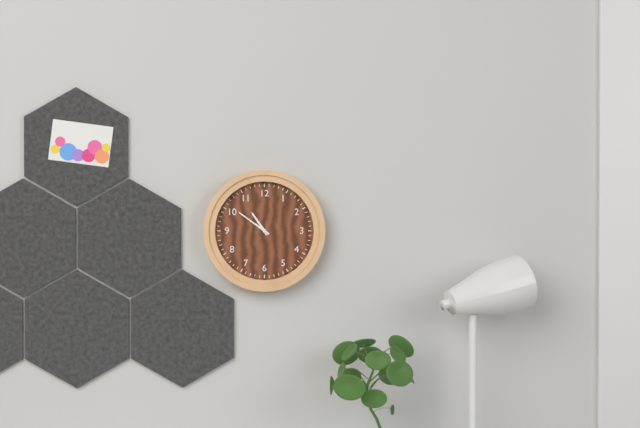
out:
10 h 51 min
